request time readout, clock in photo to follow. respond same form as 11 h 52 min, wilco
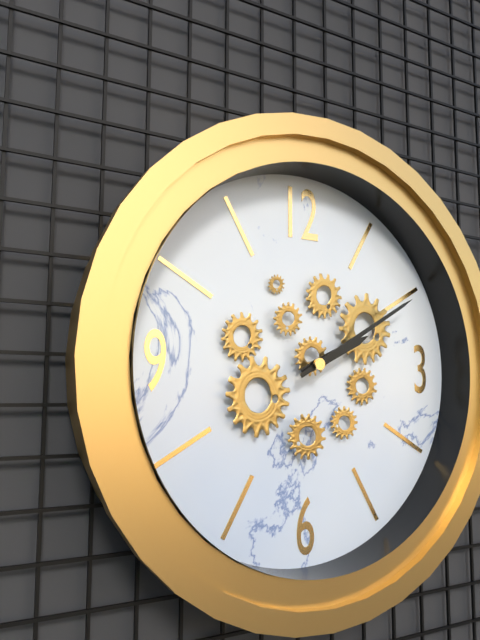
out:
2 h 10 min
